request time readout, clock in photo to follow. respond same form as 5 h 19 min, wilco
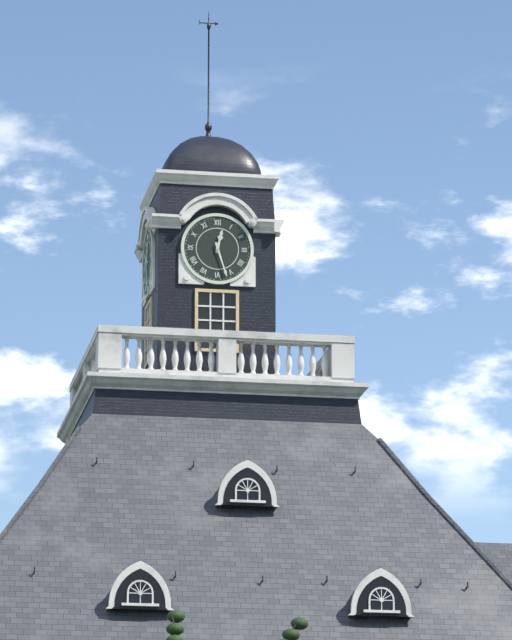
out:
12 h 27 min
